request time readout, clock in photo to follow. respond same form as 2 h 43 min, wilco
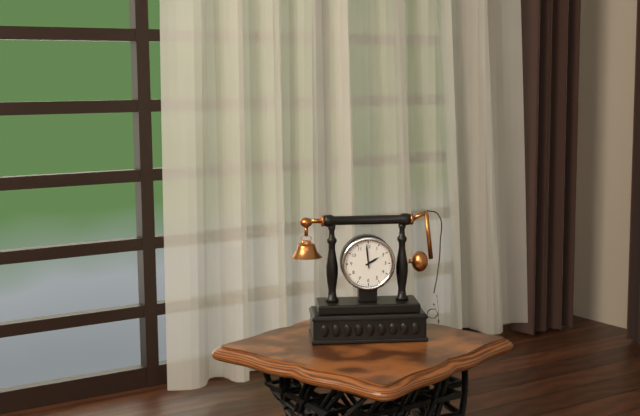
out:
1 h 59 min
